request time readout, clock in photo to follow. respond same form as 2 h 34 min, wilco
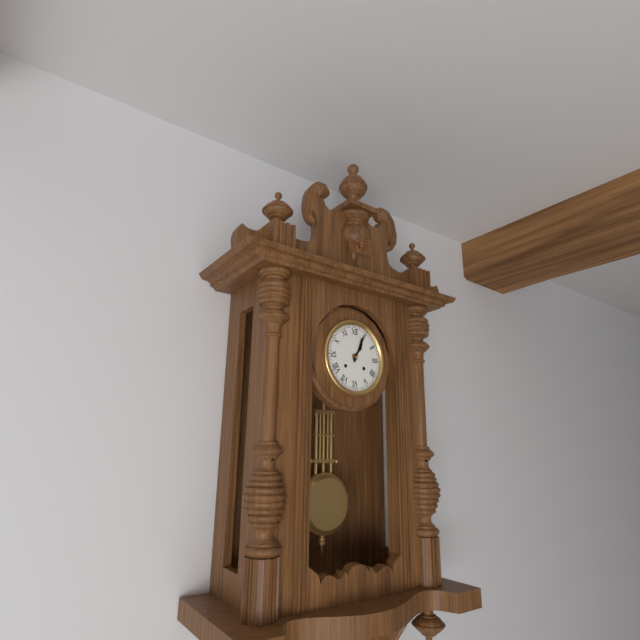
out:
1 h 04 min
